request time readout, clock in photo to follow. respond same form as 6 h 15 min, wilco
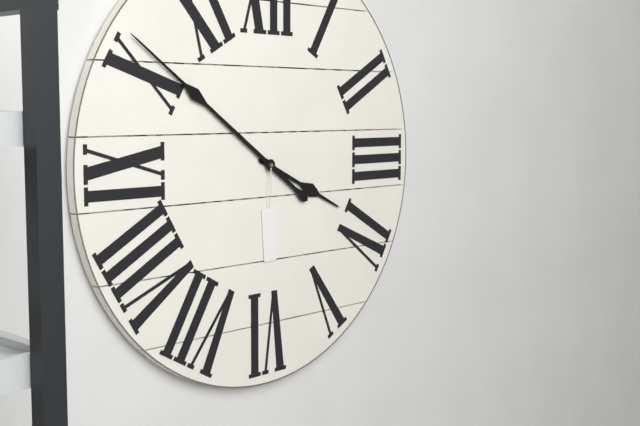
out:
3 h 51 min
